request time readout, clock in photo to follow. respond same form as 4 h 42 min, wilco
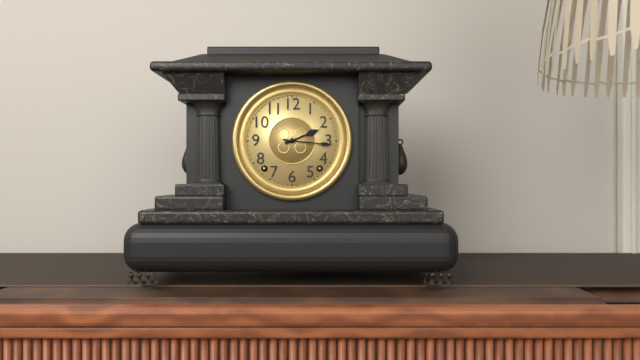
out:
2 h 16 min
